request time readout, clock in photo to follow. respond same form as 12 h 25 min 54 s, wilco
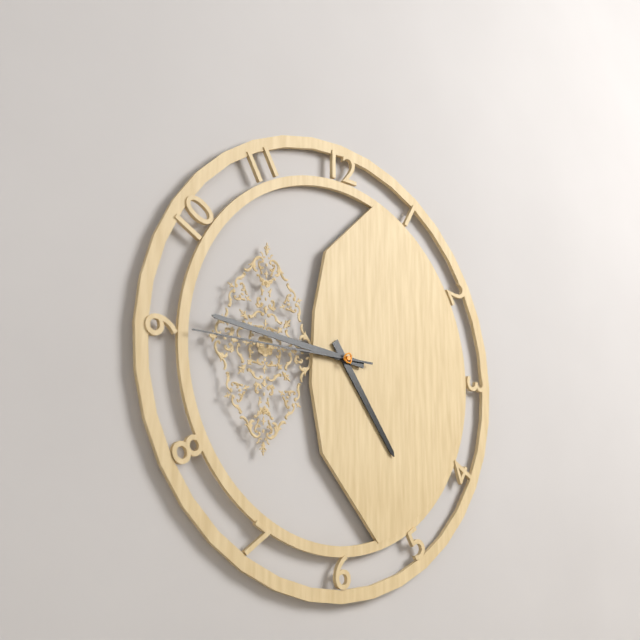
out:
4 h 46 min 45 s
